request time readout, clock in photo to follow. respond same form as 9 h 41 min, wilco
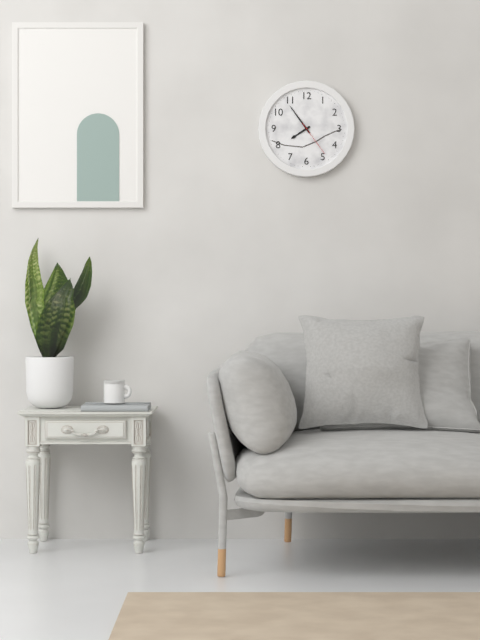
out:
7 h 54 min
